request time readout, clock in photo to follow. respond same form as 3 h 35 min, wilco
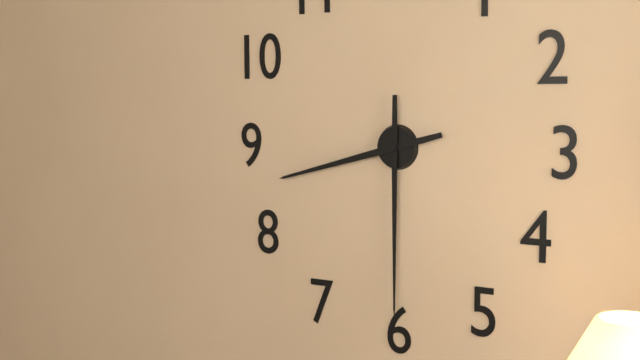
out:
8 h 30 min
